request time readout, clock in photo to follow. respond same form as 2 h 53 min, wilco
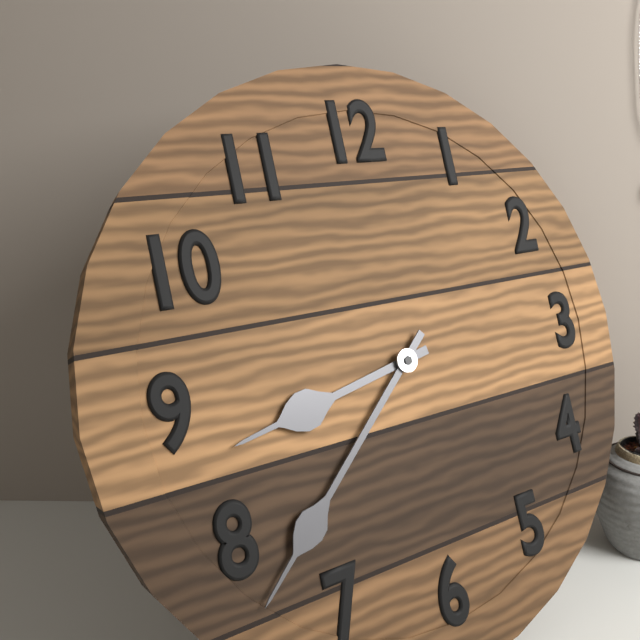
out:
8 h 38 min
